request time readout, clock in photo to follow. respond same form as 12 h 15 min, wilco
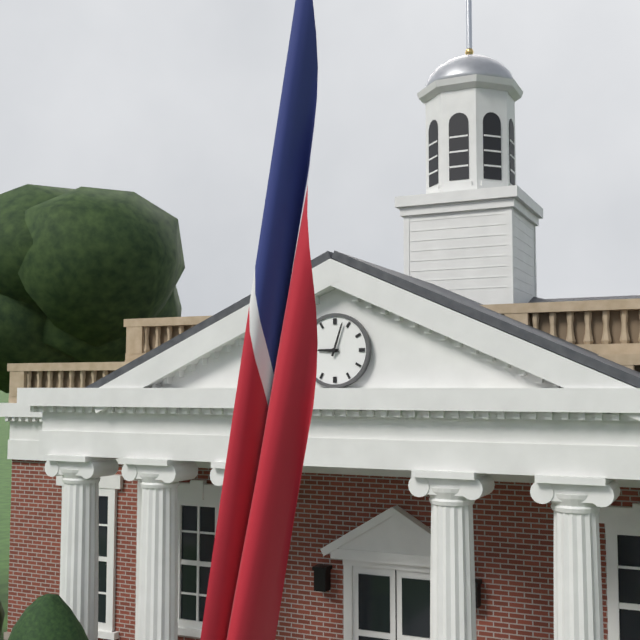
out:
9 h 03 min
